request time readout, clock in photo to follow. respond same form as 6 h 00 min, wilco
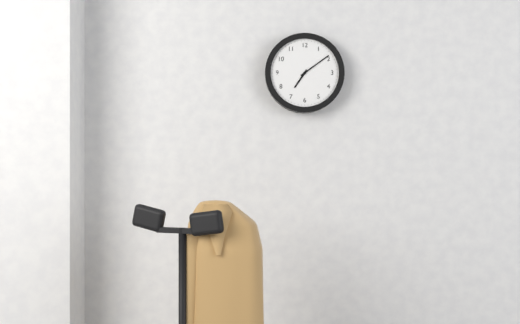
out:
7 h 09 min
